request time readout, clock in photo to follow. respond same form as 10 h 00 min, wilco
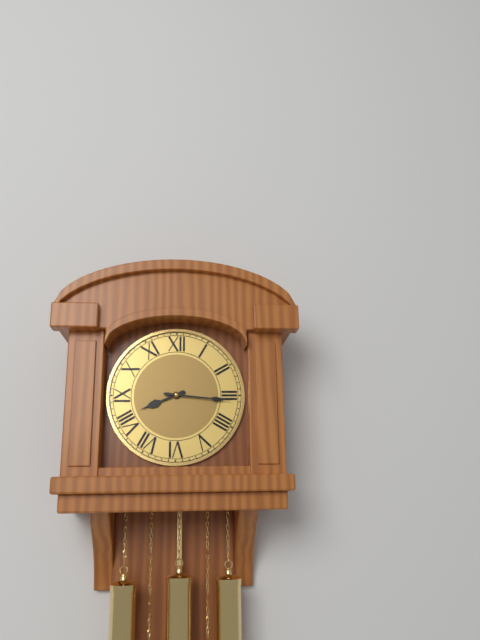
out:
8 h 16 min
